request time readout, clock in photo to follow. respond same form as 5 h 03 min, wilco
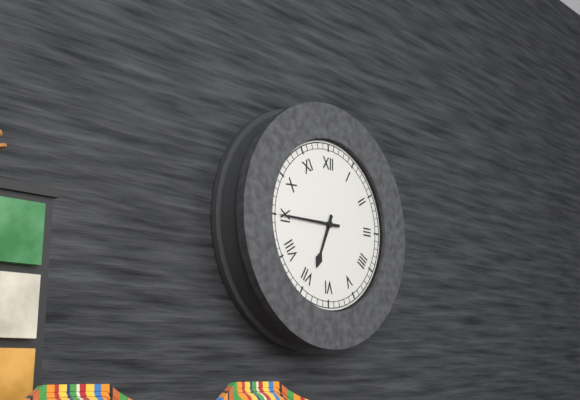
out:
6 h 45 min
